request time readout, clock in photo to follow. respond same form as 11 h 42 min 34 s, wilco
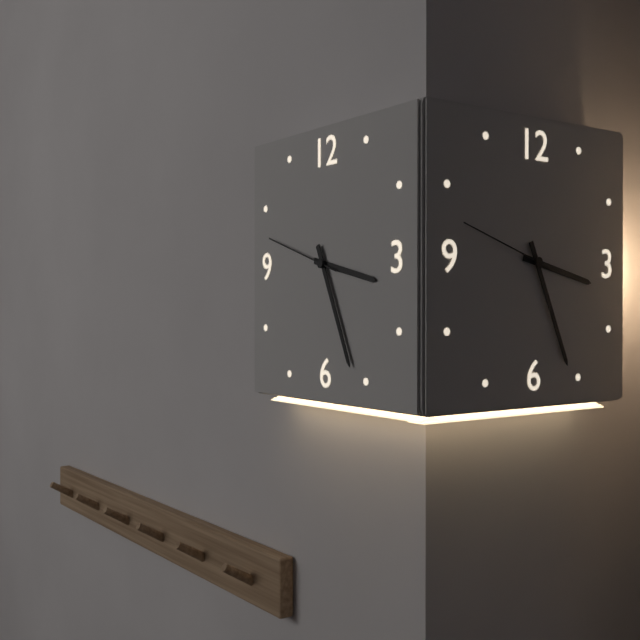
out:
3 h 26 min 48 s
